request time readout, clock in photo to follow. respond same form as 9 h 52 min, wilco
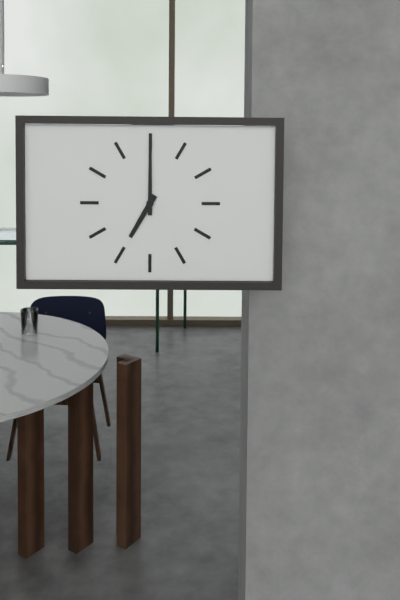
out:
7 h 00 min
